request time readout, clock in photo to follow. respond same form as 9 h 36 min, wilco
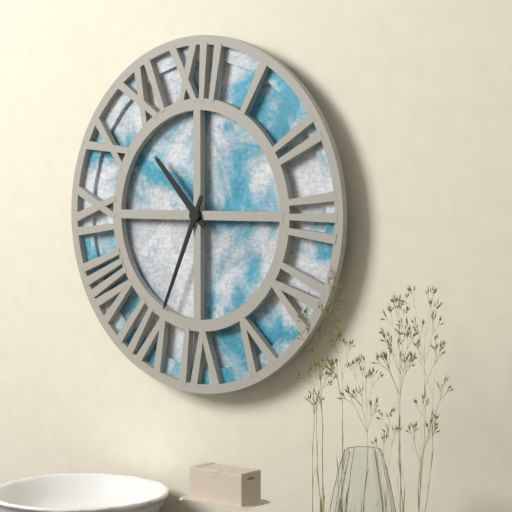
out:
10 h 34 min
